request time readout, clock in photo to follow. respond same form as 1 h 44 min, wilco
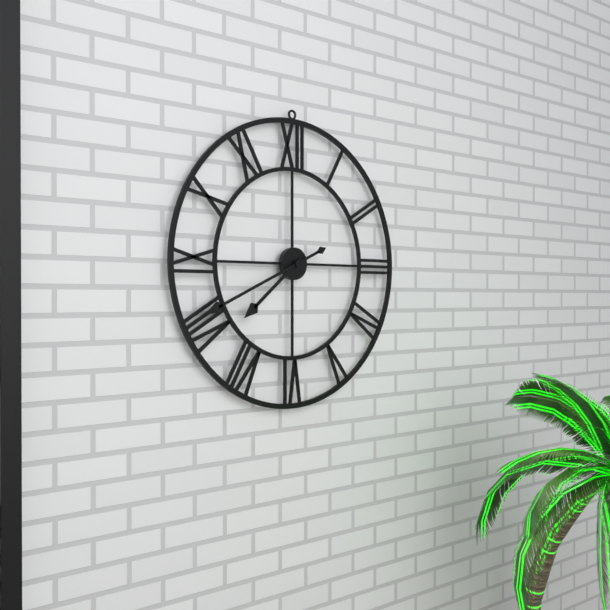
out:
7 h 41 min
